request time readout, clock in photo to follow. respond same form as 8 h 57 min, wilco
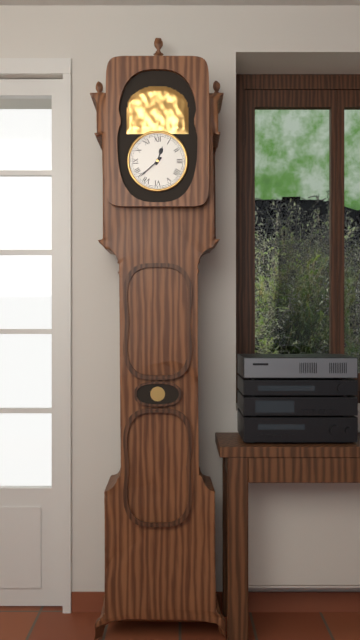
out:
12 h 38 min
